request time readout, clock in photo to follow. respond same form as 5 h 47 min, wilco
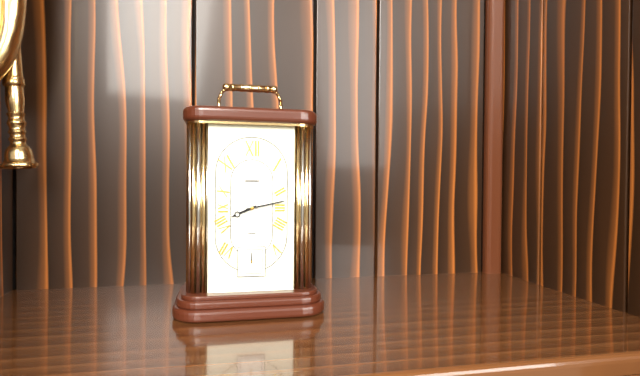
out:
8 h 13 min
